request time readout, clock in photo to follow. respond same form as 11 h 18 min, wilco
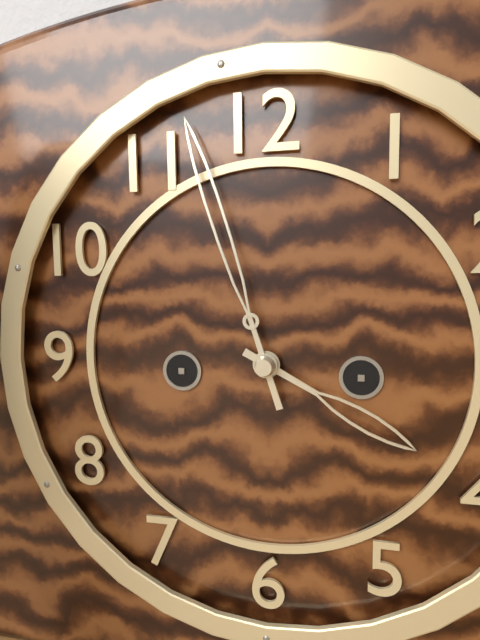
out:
3 h 57 min
